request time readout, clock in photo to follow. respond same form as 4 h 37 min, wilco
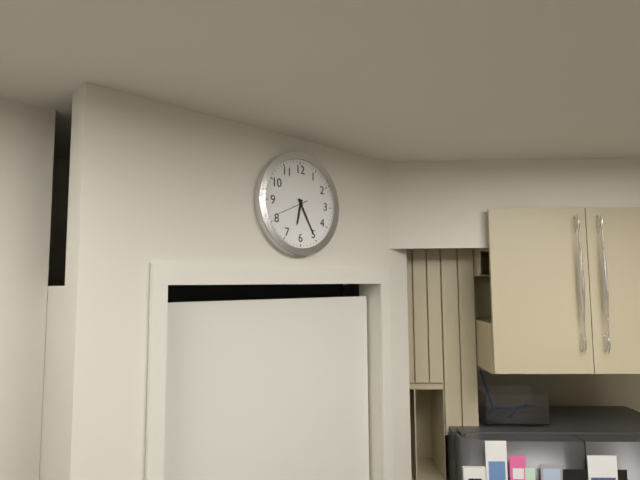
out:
6 h 25 min
